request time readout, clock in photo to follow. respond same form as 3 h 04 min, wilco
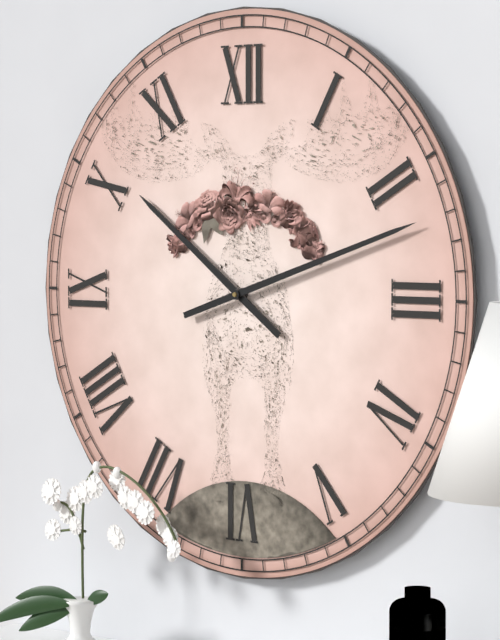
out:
10 h 12 min
